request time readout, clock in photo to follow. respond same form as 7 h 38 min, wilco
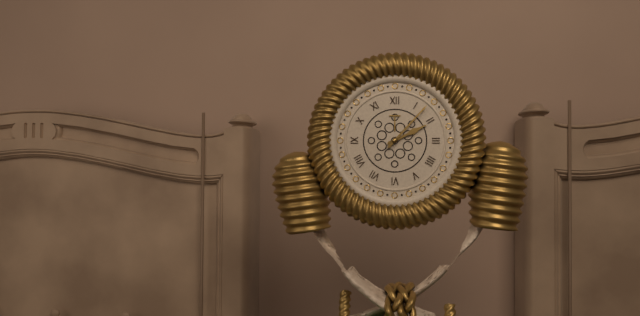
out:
2 h 07 min
